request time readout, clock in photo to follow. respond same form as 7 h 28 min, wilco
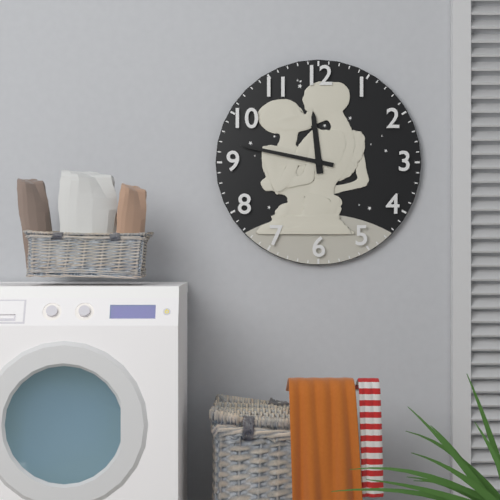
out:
11 h 47 min
